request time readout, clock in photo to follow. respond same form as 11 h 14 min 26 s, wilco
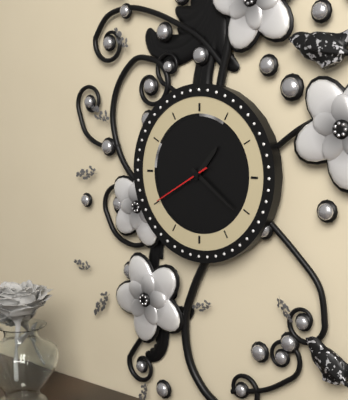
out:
1 h 21 min 40 s
